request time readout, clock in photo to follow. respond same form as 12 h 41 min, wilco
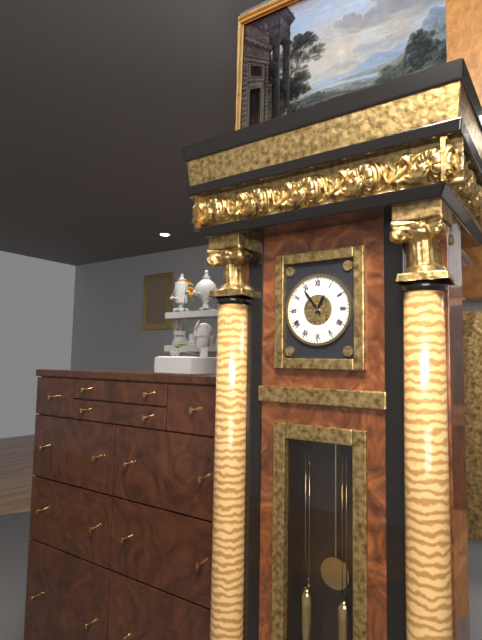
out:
12 h 54 min
